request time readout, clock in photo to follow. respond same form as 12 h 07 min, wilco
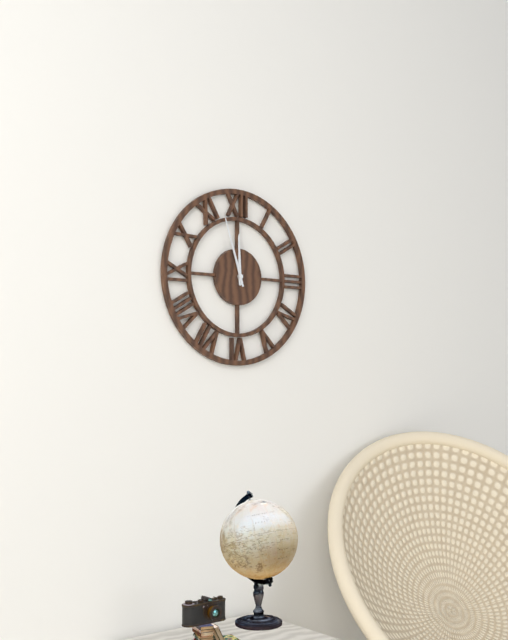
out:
11 h 57 min
